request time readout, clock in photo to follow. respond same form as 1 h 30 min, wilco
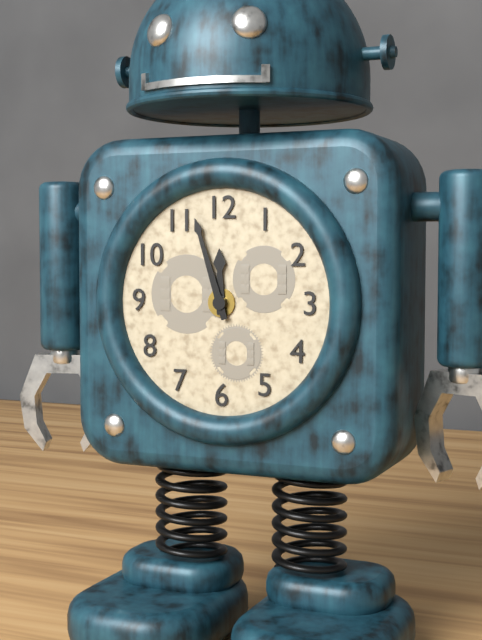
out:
11 h 57 min
